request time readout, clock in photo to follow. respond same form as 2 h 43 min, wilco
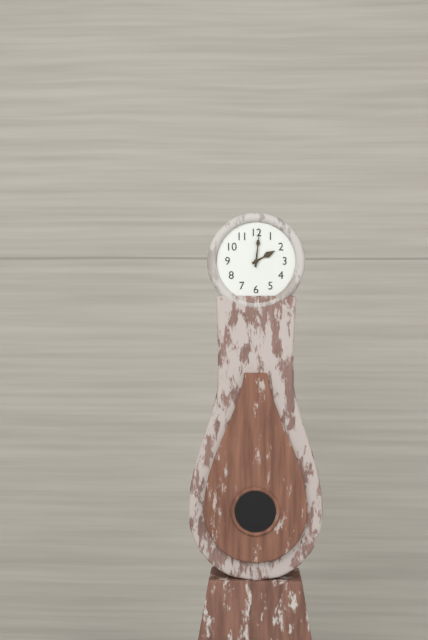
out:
2 h 01 min
